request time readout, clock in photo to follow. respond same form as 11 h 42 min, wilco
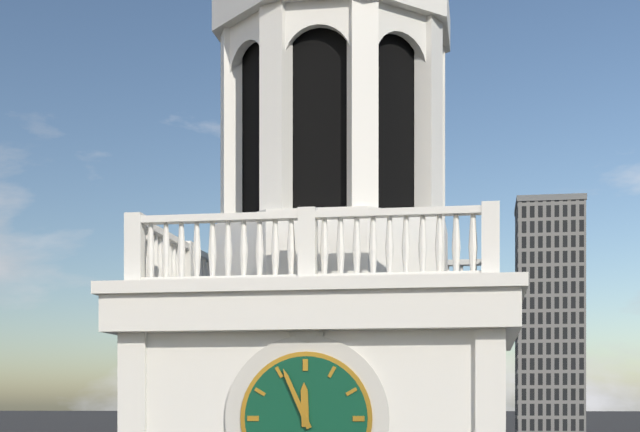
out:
11 h 56 min
